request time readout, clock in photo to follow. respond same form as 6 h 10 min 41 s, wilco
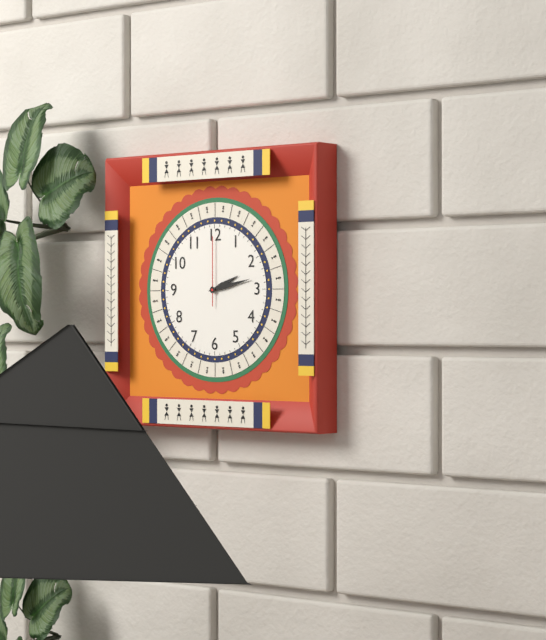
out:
2 h 13 min 00 s
